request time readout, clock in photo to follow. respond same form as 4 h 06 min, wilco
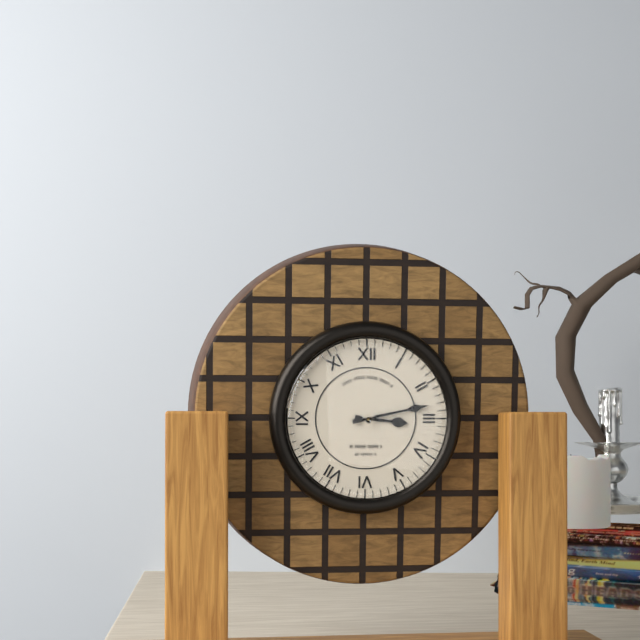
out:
3 h 13 min
